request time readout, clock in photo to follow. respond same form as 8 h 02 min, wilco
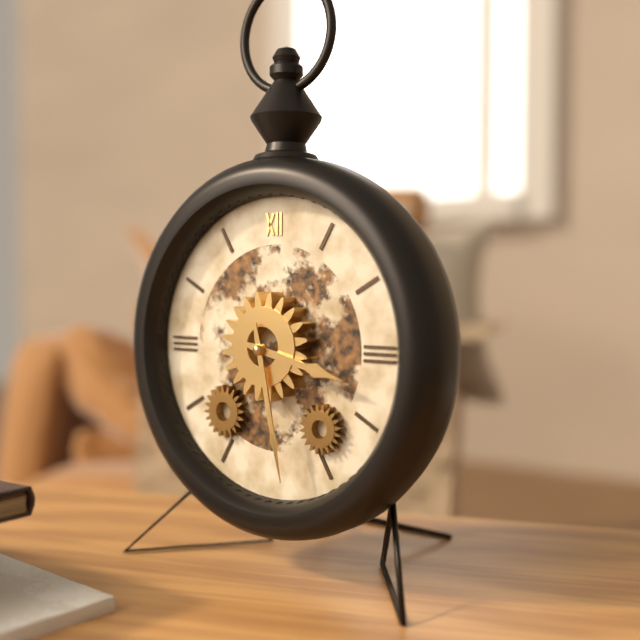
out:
3 h 28 min
